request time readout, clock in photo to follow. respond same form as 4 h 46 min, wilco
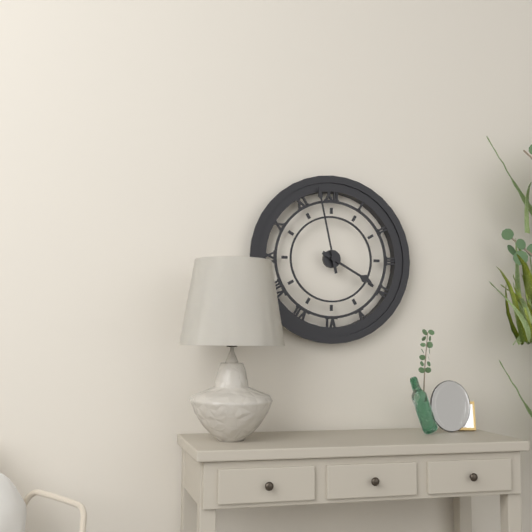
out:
3 h 58 min
